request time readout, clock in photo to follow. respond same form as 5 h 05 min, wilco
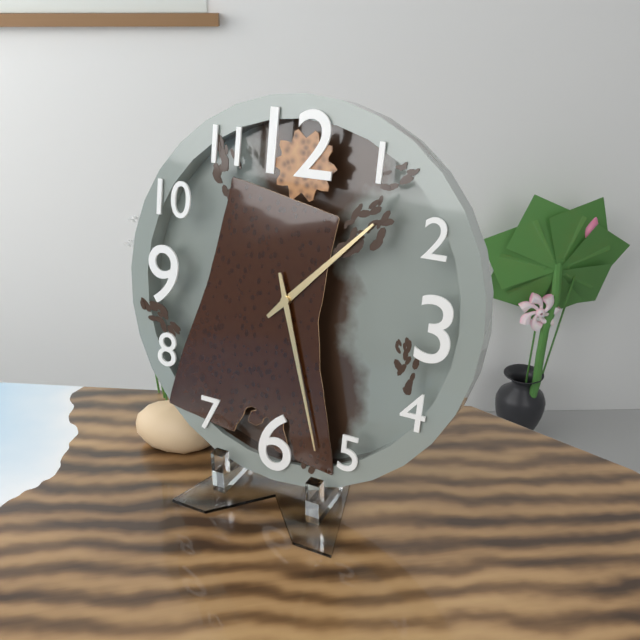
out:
1 h 27 min
